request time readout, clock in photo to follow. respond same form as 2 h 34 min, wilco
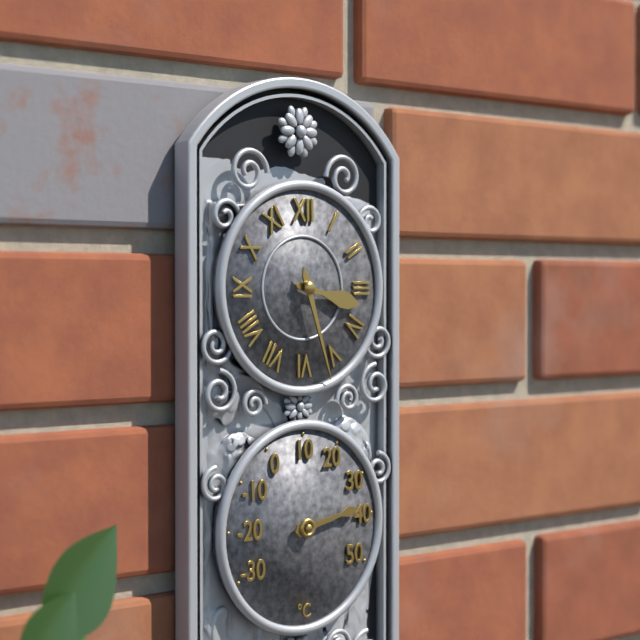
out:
3 h 27 min
